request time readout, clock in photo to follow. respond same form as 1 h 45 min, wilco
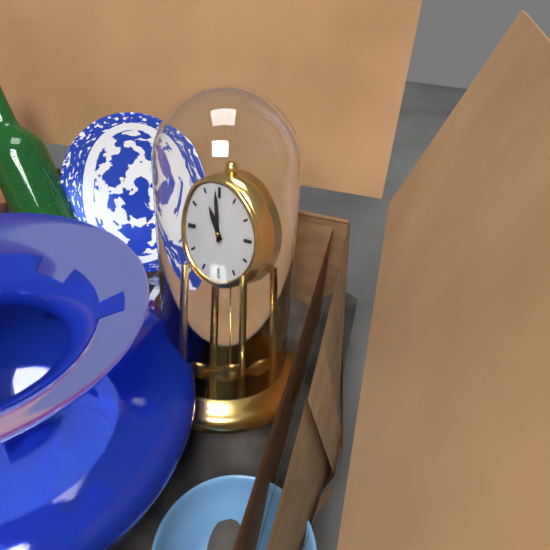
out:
10 h 59 min
